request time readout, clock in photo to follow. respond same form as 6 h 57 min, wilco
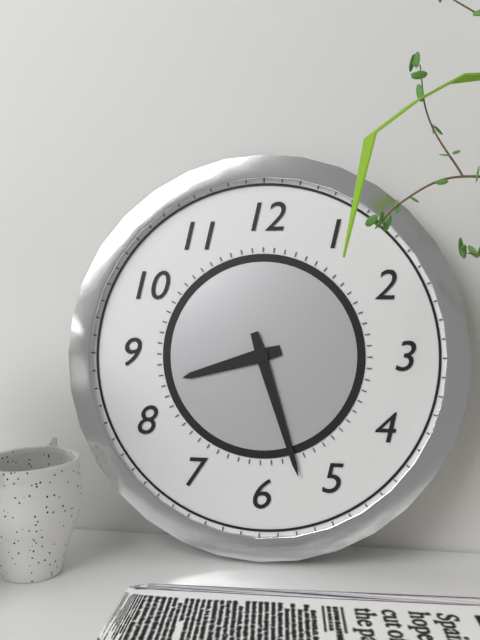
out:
8 h 27 min
